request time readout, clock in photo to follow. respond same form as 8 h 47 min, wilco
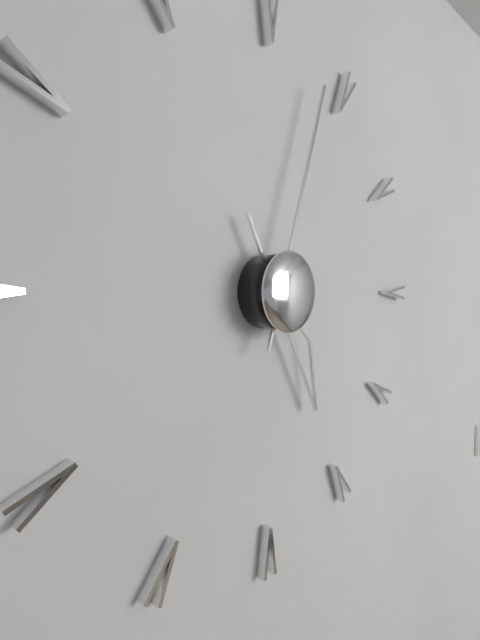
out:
5 h 03 min
